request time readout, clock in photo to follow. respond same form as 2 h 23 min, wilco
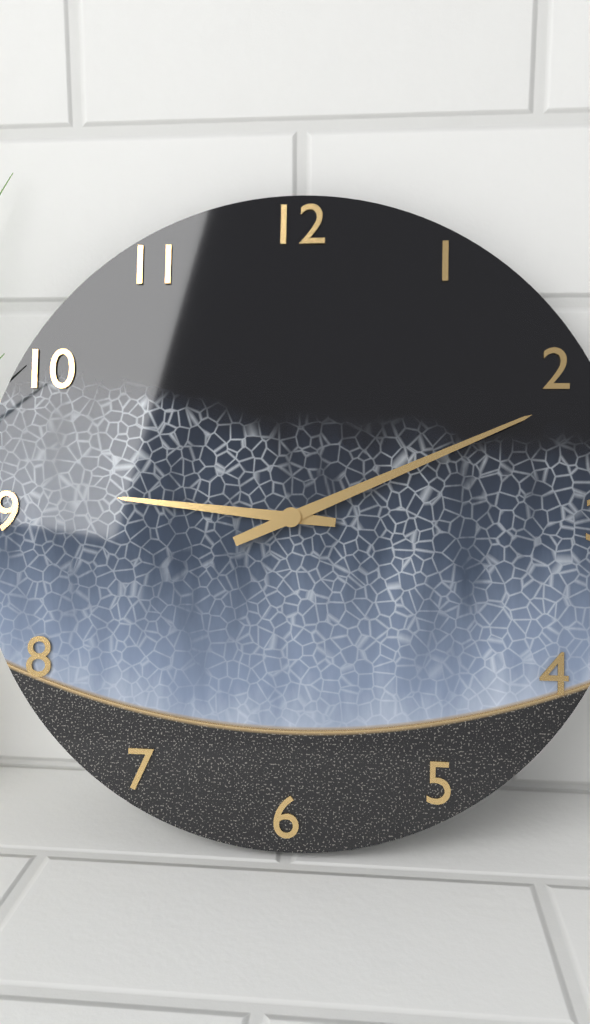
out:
9 h 11 min
